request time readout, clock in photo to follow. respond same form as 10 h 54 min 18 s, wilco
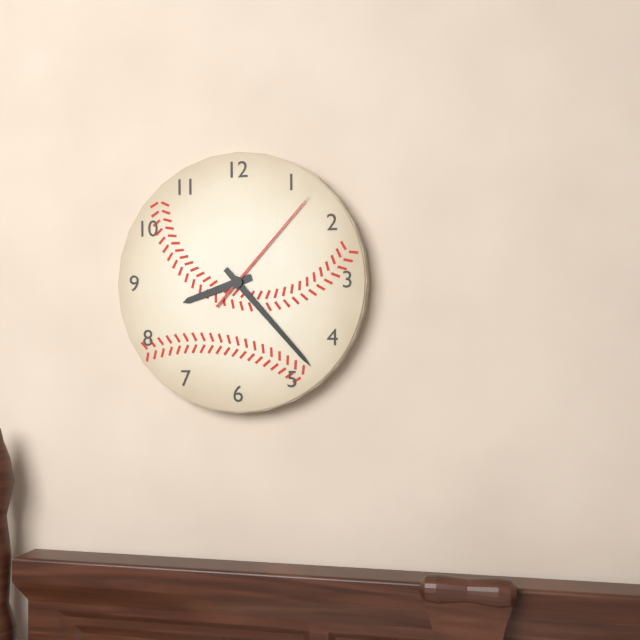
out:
8 h 23 min 07 s
